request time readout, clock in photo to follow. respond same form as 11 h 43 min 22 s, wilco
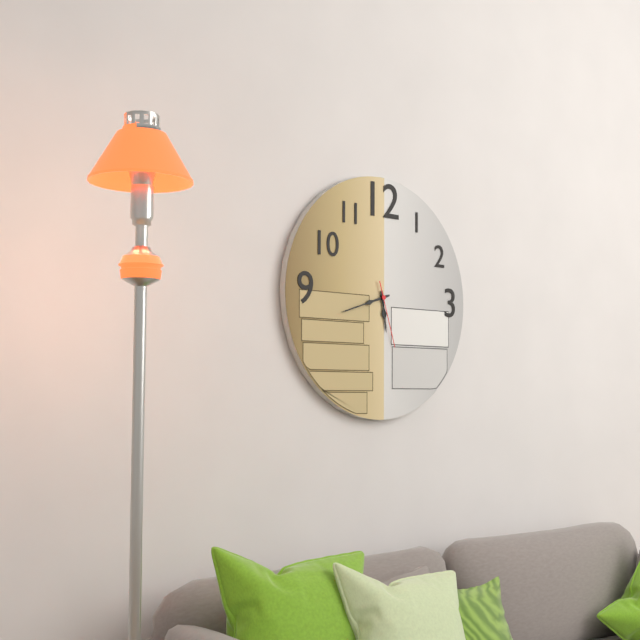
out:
5 h 42 min 27 s
